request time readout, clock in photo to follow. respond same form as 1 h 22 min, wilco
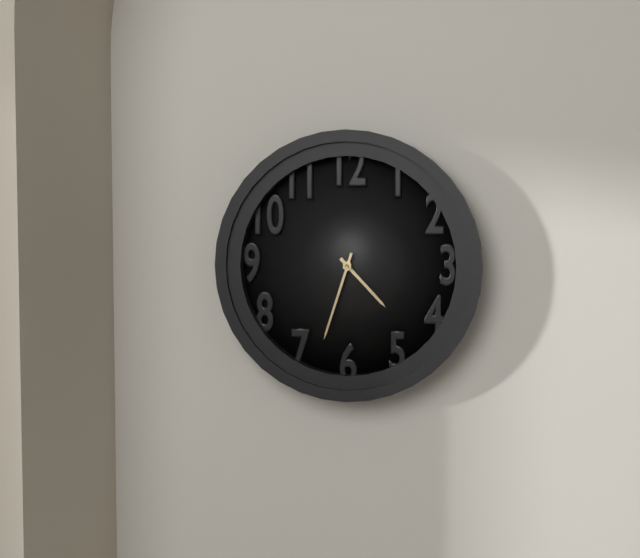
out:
4 h 33 min
